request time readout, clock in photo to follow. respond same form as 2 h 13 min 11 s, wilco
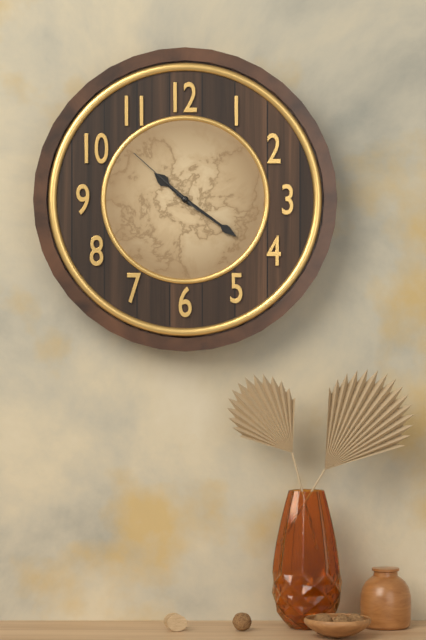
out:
10 h 21 min 52 s
